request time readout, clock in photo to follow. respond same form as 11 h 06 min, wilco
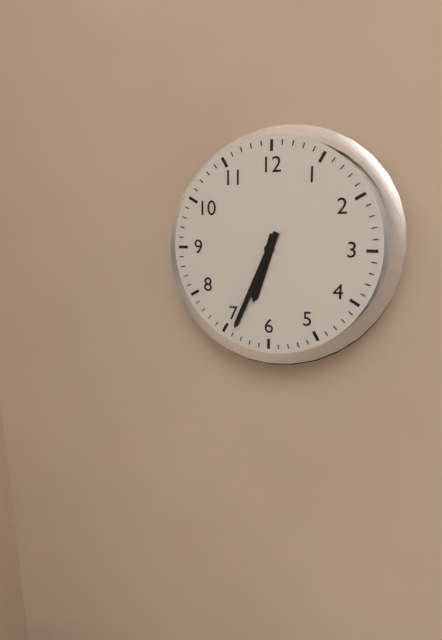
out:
6 h 34 min
